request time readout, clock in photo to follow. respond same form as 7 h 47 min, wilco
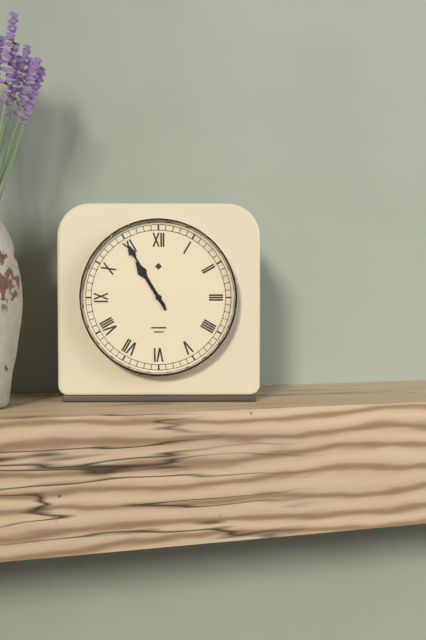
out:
10 h 55 min
